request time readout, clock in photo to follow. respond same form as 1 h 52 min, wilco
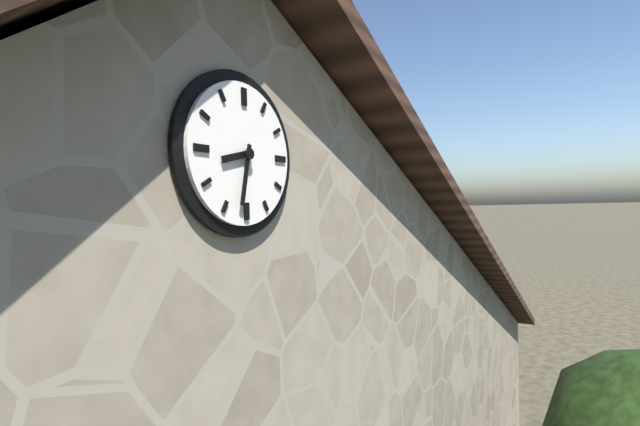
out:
8 h 32 min
